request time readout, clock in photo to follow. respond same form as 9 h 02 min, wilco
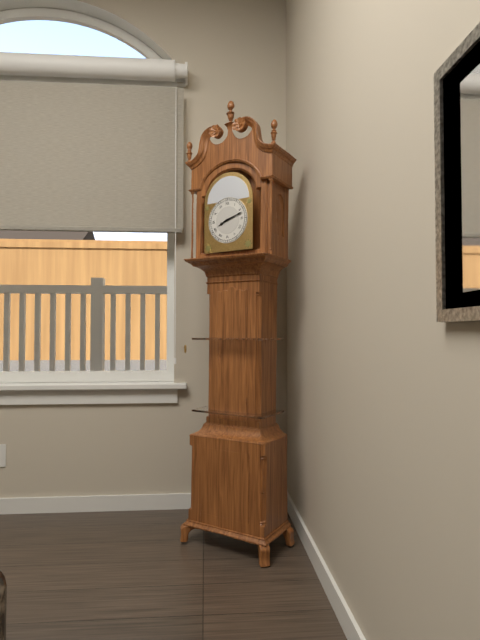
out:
8 h 12 min
